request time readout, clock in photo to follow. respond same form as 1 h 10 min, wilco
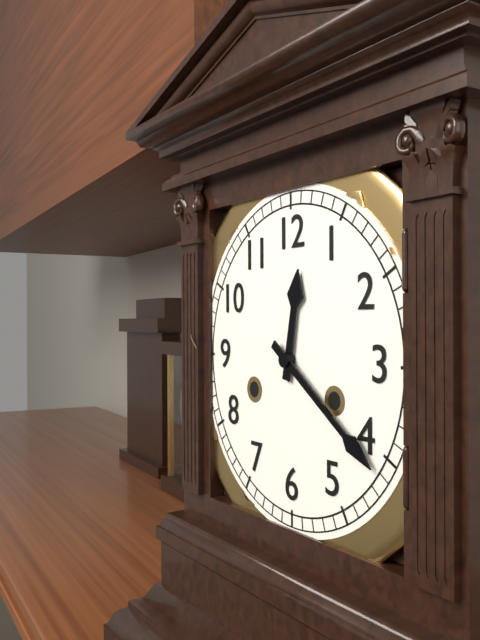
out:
12 h 21 min
